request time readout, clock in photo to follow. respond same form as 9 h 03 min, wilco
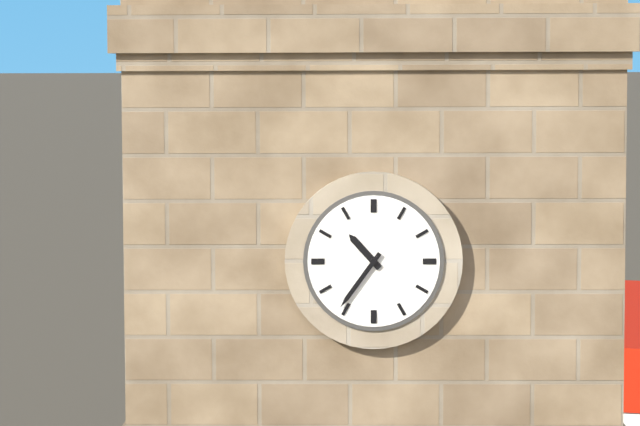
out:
10 h 36 min
